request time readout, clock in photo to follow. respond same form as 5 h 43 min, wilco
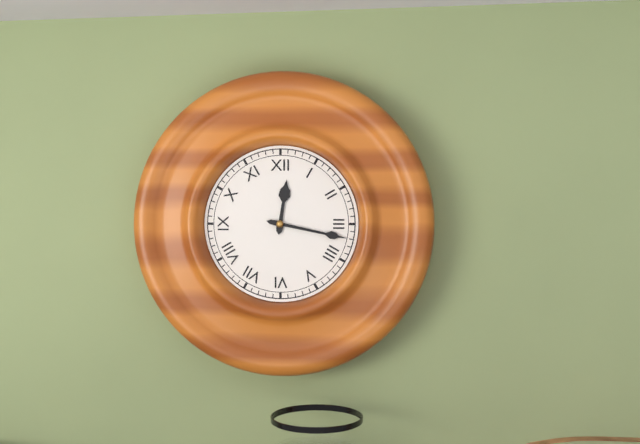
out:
12 h 17 min
